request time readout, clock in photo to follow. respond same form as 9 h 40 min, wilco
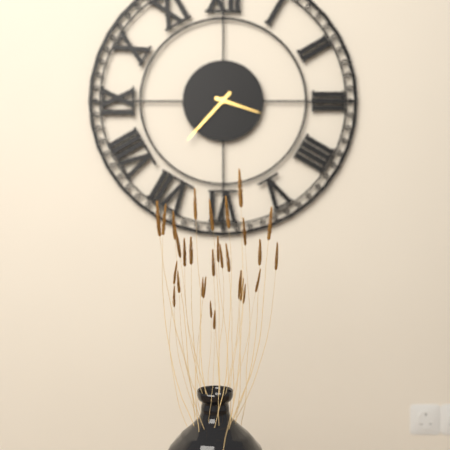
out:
3 h 37 min
